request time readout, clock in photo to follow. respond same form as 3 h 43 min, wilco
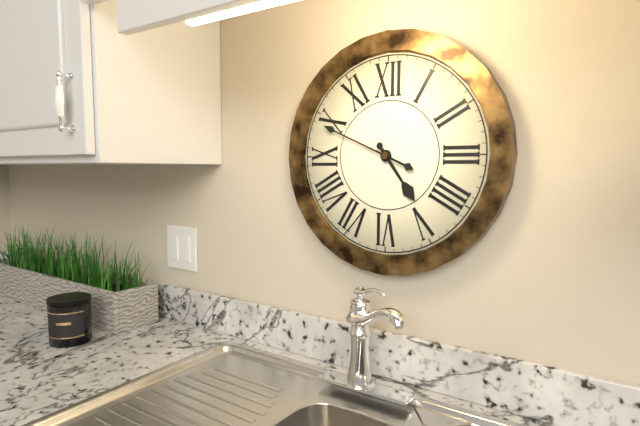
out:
4 h 49 min
